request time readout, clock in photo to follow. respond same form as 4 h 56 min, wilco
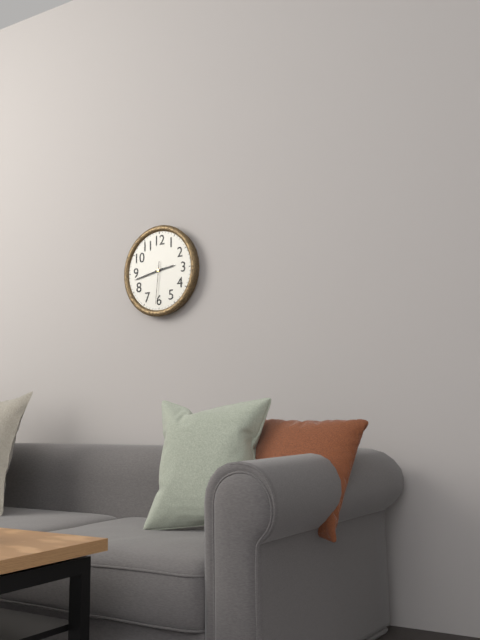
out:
2 h 43 min
